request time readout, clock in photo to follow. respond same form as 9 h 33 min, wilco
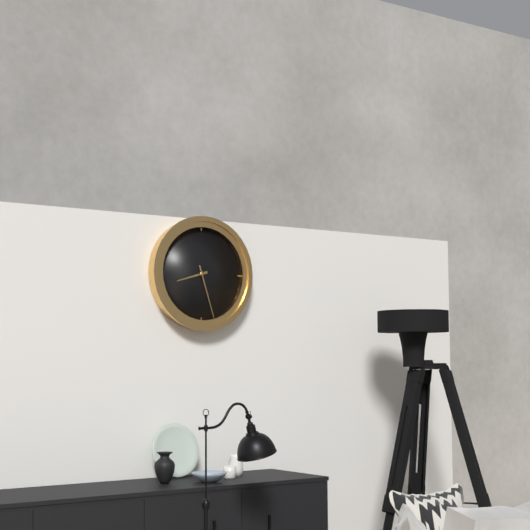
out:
8 h 27 min
